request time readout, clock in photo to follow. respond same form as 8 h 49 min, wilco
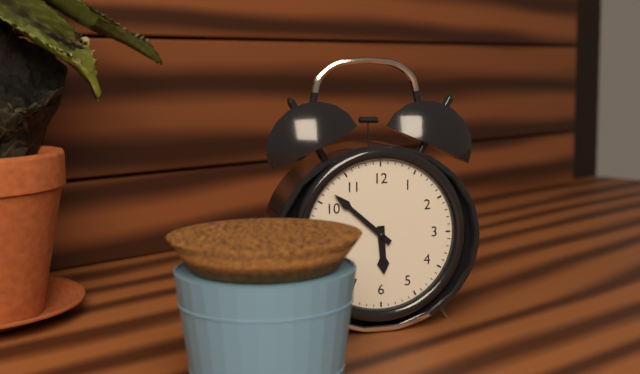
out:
5 h 52 min
